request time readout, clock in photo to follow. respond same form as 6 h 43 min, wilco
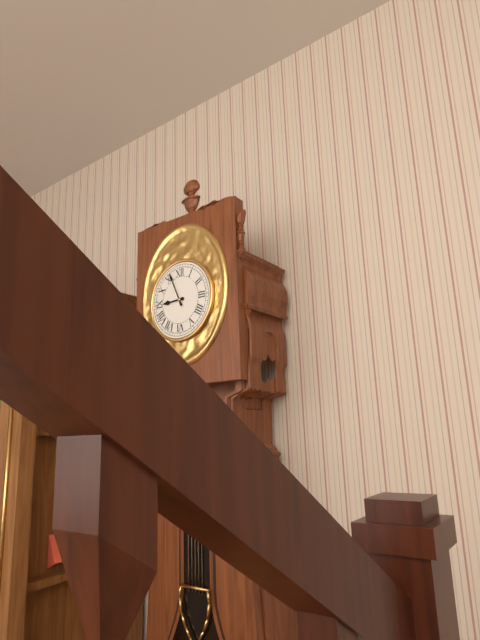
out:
8 h 56 min
